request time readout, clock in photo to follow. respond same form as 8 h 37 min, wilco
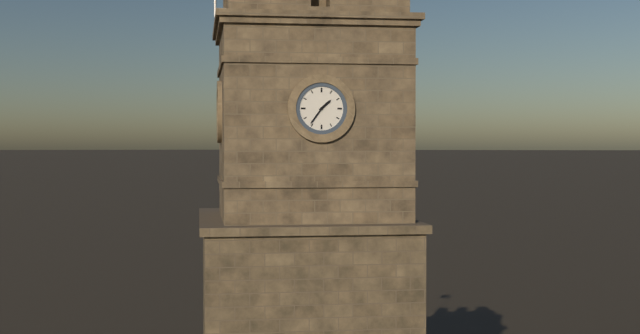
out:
1 h 36 min
